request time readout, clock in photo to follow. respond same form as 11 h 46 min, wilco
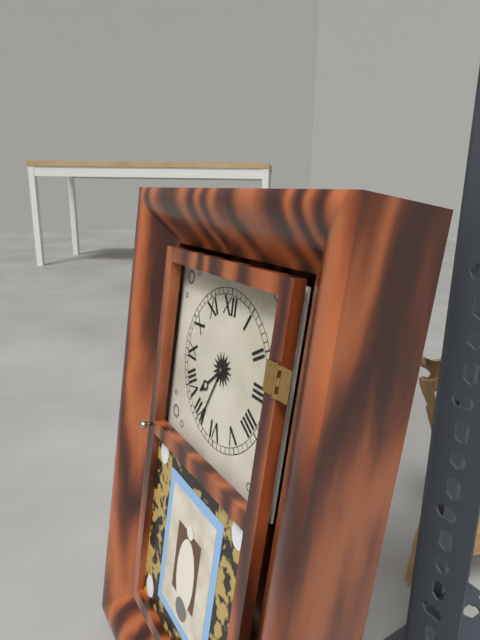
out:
7 h 34 min
